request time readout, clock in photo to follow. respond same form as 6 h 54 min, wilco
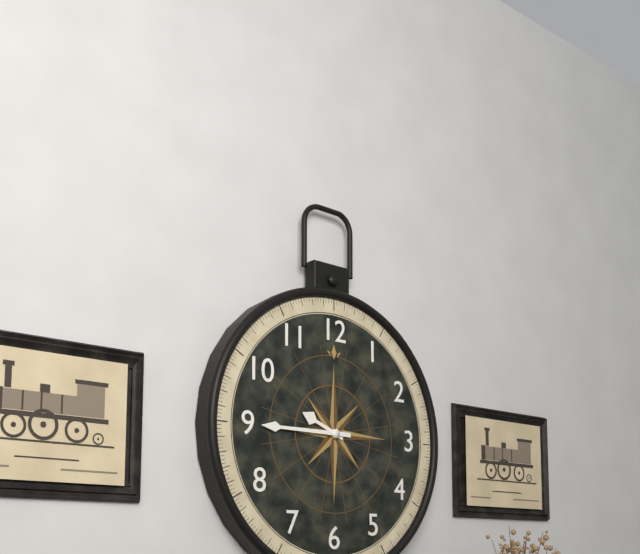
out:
9 h 45 min
